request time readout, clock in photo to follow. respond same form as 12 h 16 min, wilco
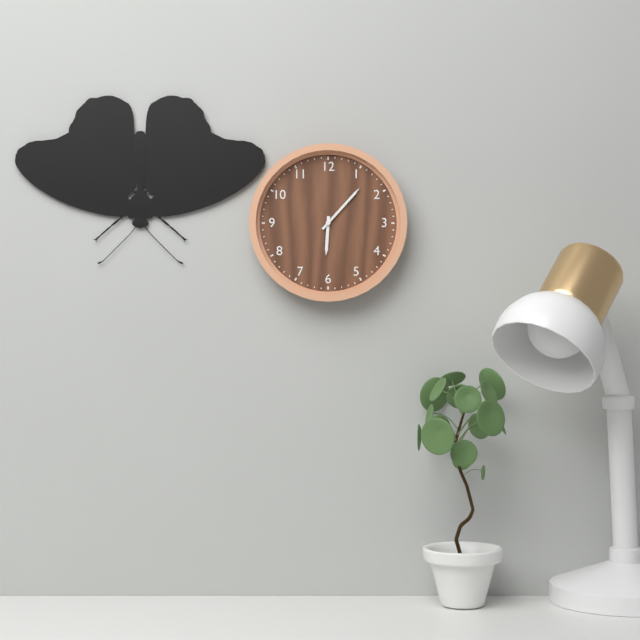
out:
6 h 07 min
